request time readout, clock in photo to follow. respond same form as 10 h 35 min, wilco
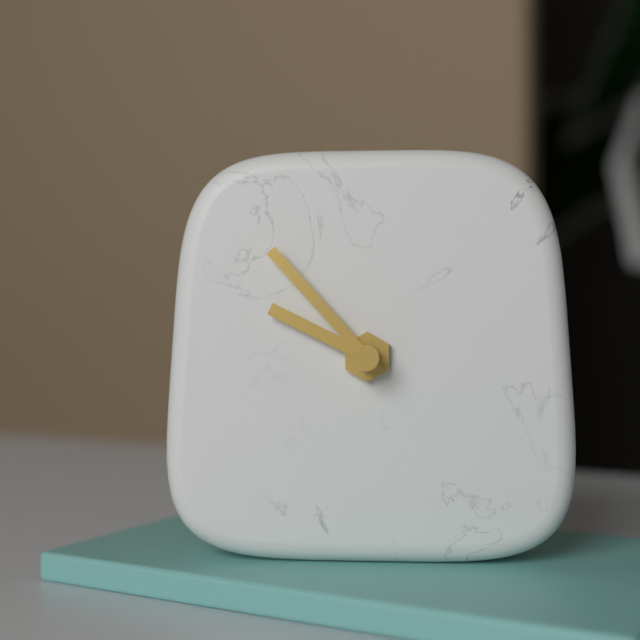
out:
9 h 53 min
